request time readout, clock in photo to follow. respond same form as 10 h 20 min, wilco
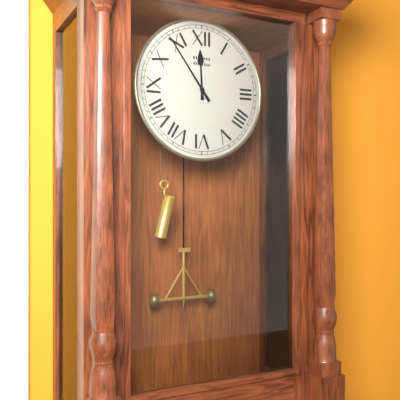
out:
11 h 54 min
